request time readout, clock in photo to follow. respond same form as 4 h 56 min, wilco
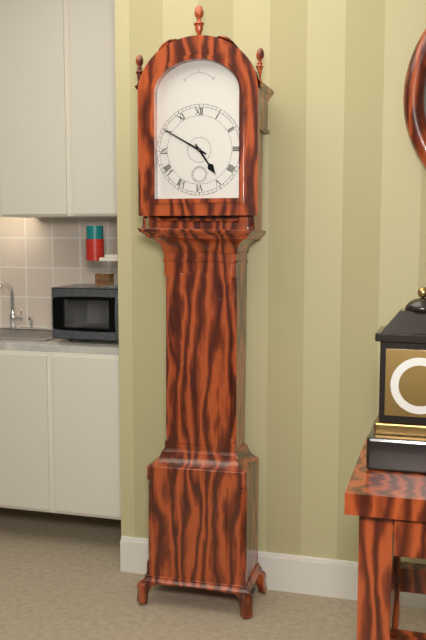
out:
4 h 50 min
